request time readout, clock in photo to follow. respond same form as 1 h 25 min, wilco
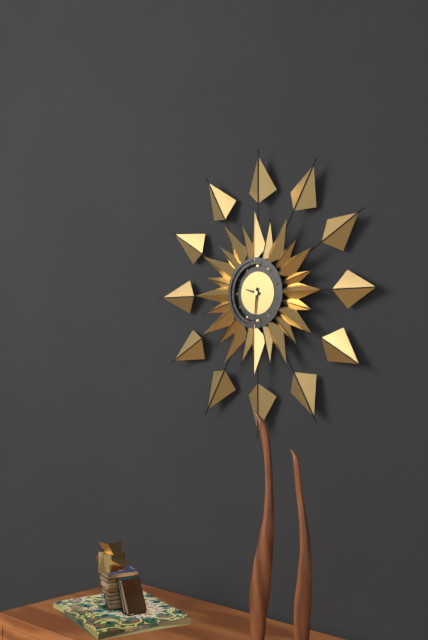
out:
9 h 31 min
